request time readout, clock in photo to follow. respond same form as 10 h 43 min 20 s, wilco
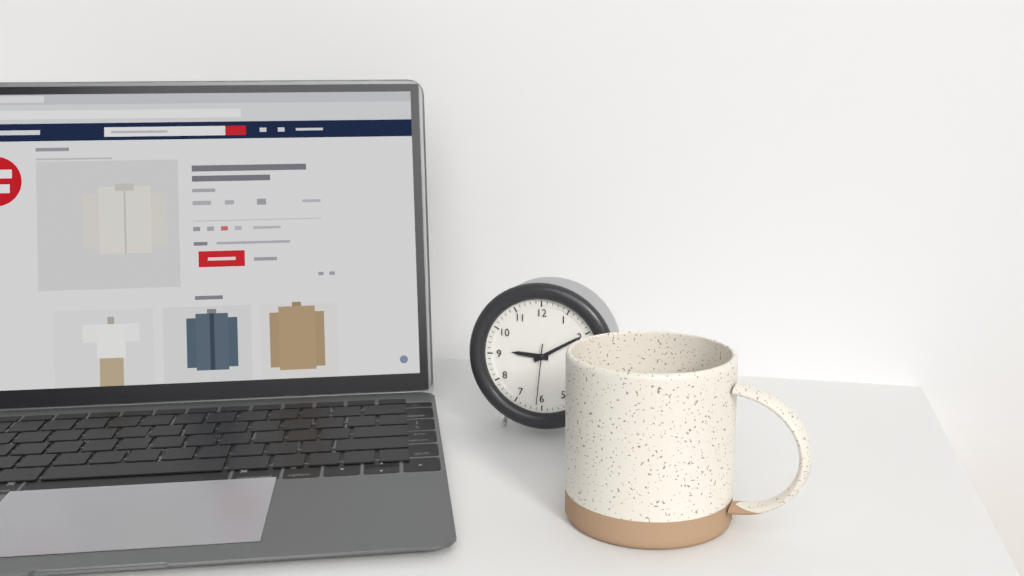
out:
9 h 10 min 31 s
